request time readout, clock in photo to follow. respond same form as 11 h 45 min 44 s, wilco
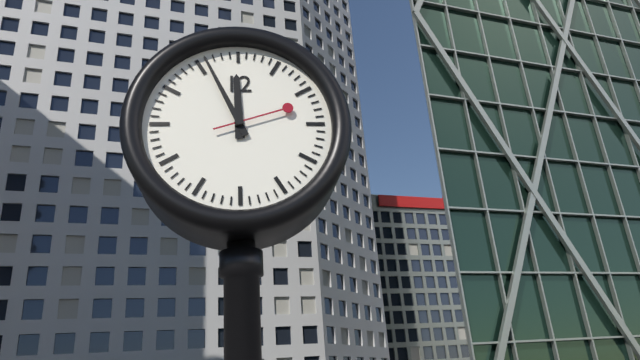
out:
11 h 56 min 12 s
